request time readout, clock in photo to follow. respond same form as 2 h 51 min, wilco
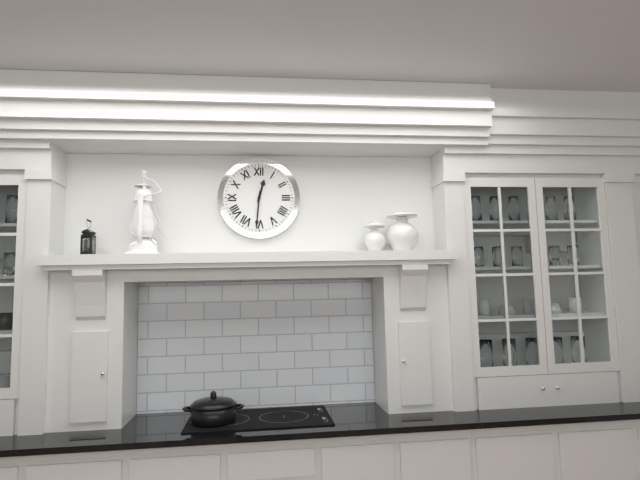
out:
12 h 31 min
